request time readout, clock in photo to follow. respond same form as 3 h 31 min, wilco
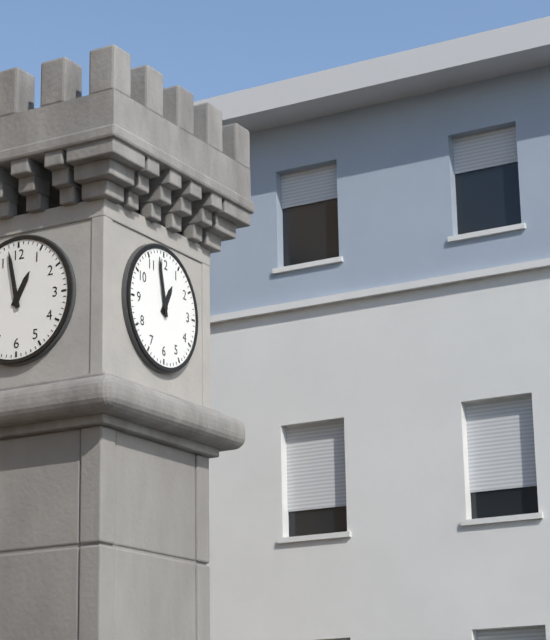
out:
12 h 58 min
